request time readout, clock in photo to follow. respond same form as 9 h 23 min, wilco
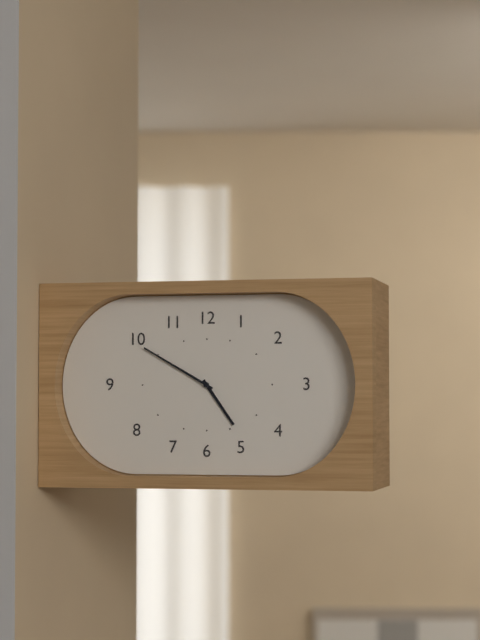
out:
4 h 50 min
